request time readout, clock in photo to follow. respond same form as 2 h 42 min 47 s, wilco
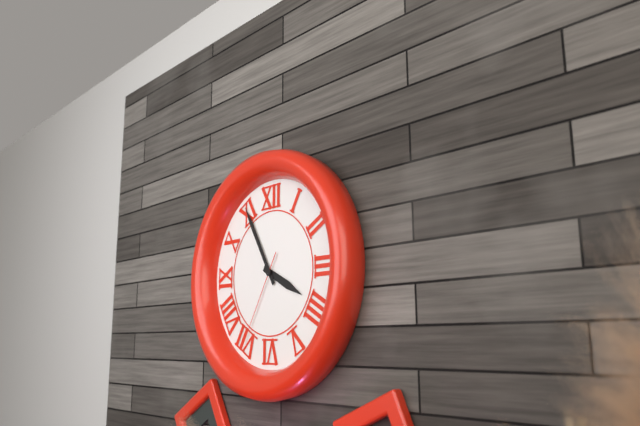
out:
3 h 55 min 35 s
